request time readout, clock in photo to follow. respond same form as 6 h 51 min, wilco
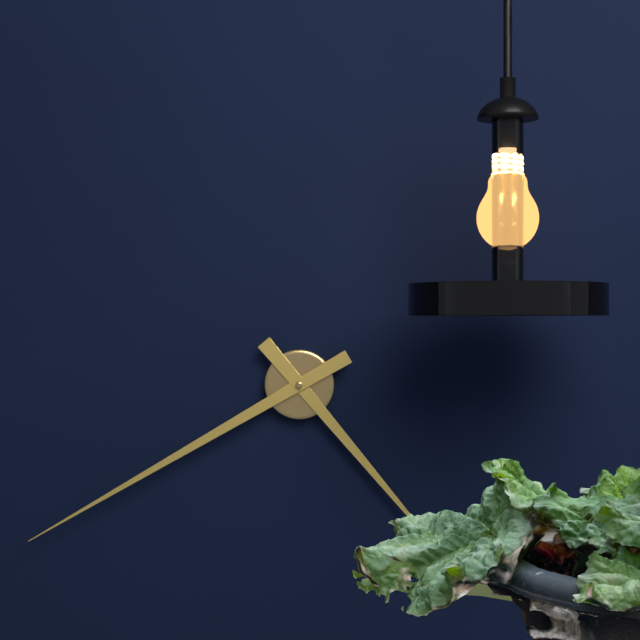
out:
4 h 40 min
